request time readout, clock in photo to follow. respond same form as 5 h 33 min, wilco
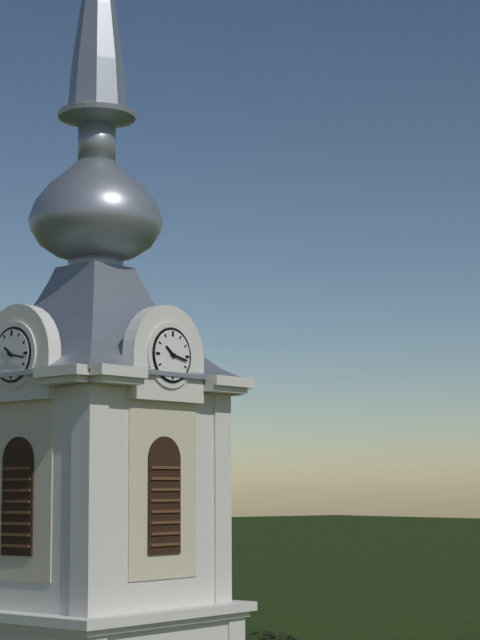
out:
10 h 17 min
